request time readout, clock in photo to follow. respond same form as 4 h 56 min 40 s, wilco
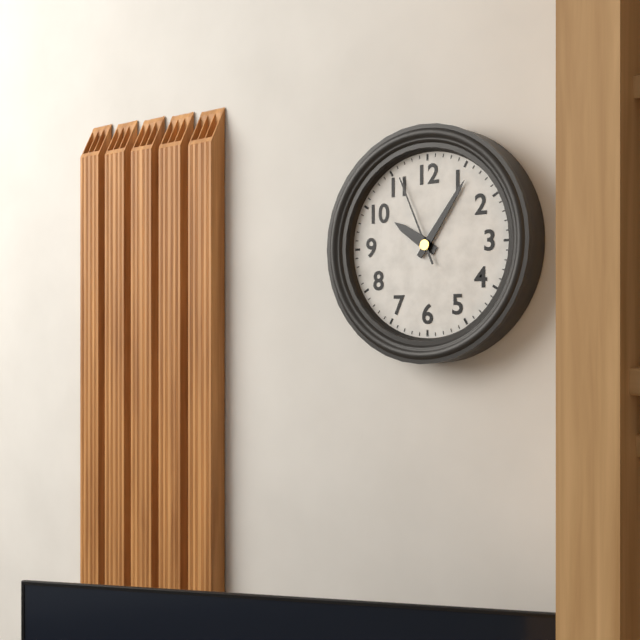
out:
10 h 06 min 56 s
